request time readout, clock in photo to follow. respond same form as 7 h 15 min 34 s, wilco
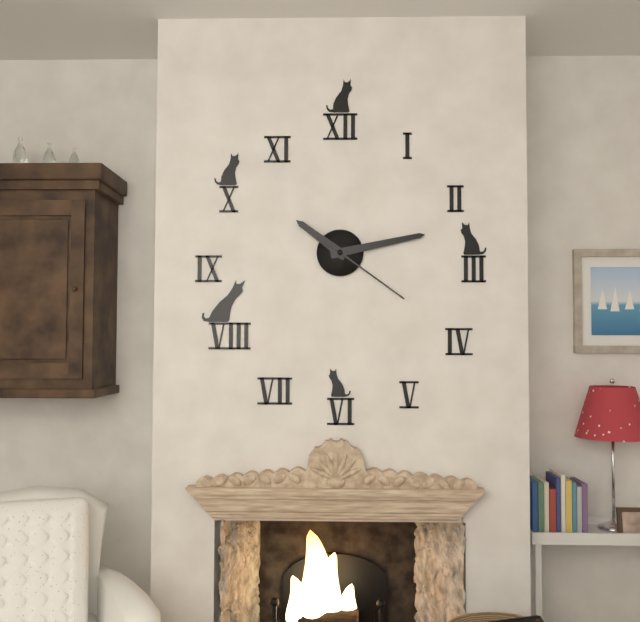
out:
10 h 13 min 21 s
